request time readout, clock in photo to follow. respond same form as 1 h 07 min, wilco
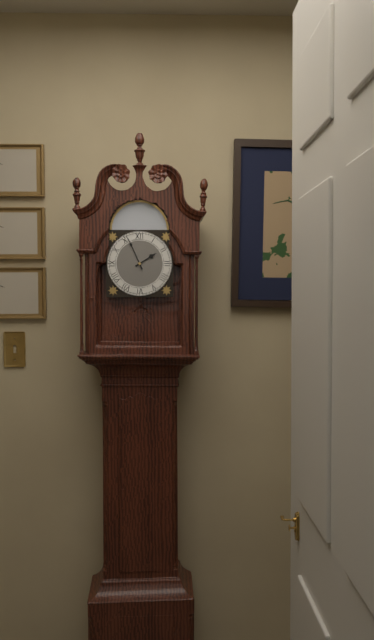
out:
1 h 56 min
